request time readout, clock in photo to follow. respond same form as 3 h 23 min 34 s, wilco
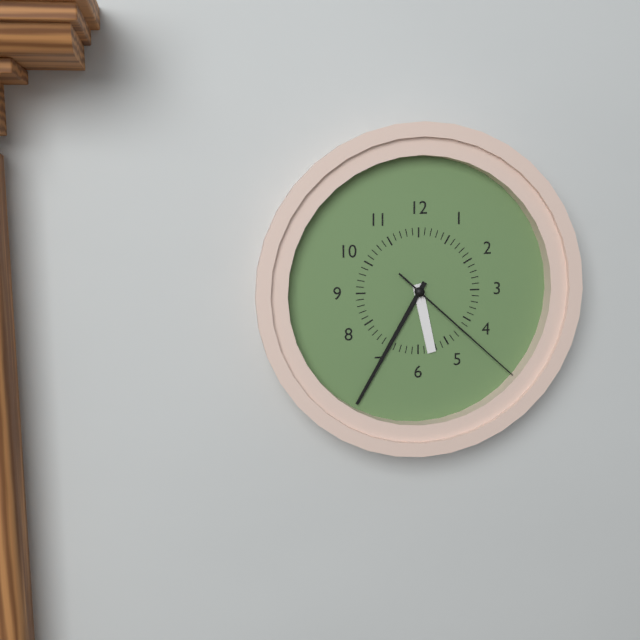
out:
5 h 35 min 22 s
